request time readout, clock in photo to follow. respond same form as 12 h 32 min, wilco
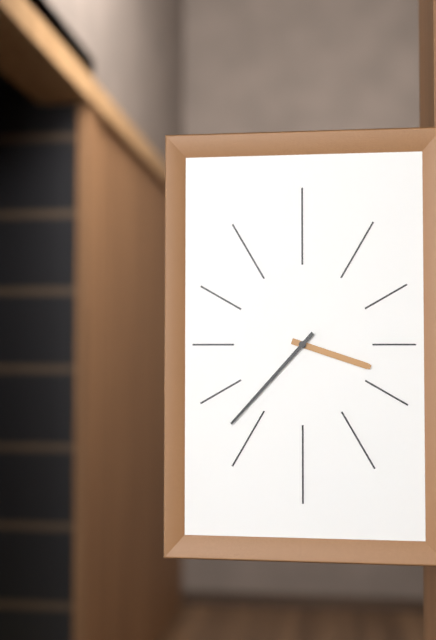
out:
3 h 37 min
